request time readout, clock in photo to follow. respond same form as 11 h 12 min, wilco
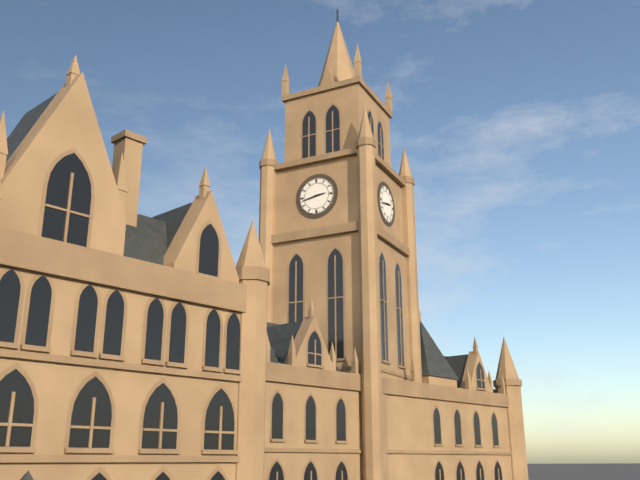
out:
2 h 43 min
